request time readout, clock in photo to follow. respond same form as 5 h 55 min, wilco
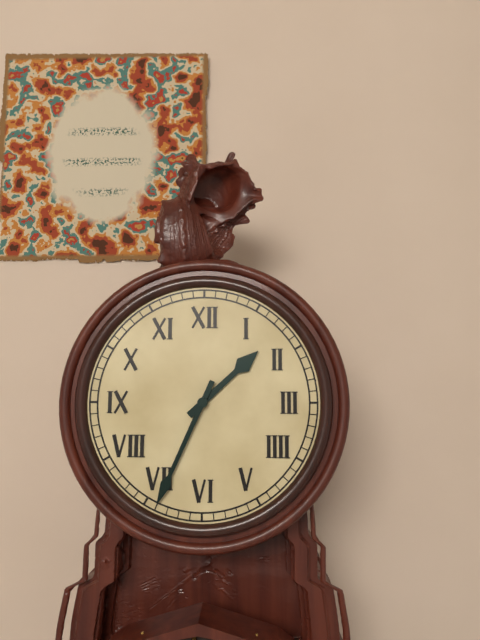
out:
1 h 34 min
